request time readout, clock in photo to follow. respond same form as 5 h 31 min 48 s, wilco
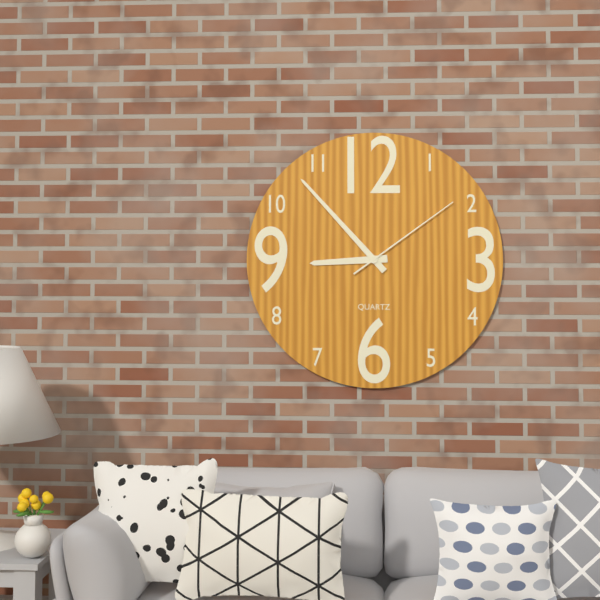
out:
8 h 53 min 09 s
